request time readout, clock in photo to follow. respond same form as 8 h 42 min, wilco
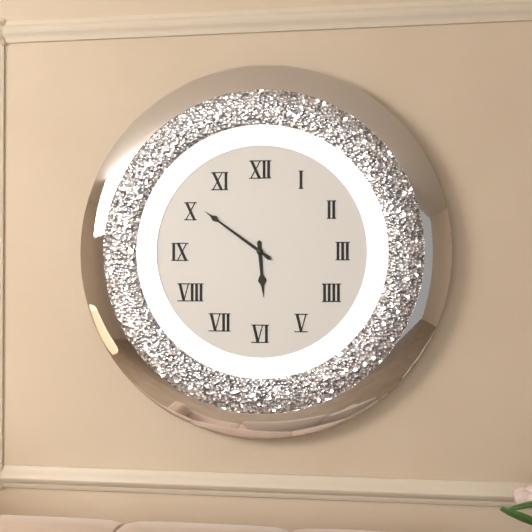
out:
5 h 51 min
